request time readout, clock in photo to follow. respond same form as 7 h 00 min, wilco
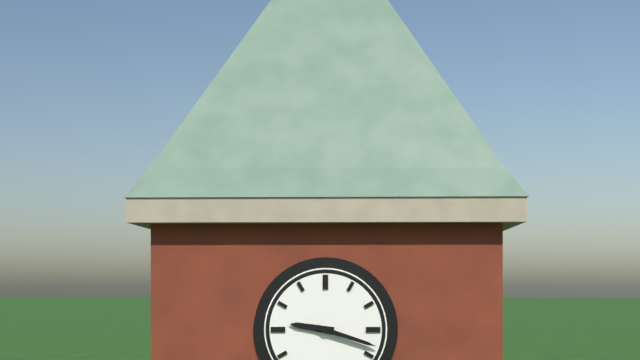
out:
9 h 18 min
